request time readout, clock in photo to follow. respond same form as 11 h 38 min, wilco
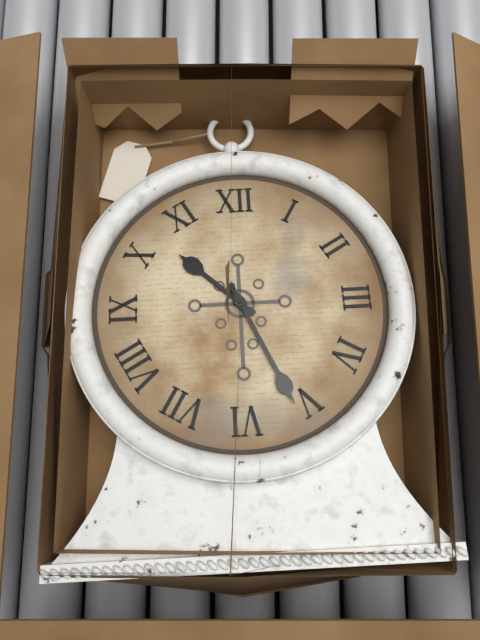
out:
10 h 26 min
